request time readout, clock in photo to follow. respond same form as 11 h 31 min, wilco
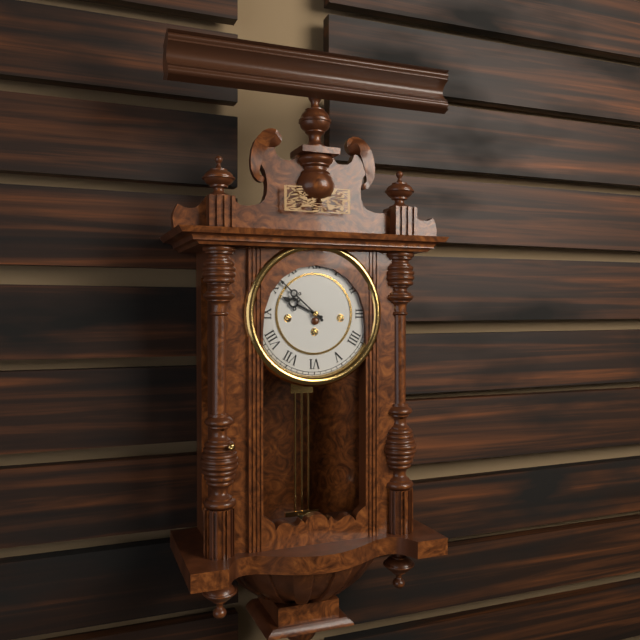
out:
9 h 52 min
